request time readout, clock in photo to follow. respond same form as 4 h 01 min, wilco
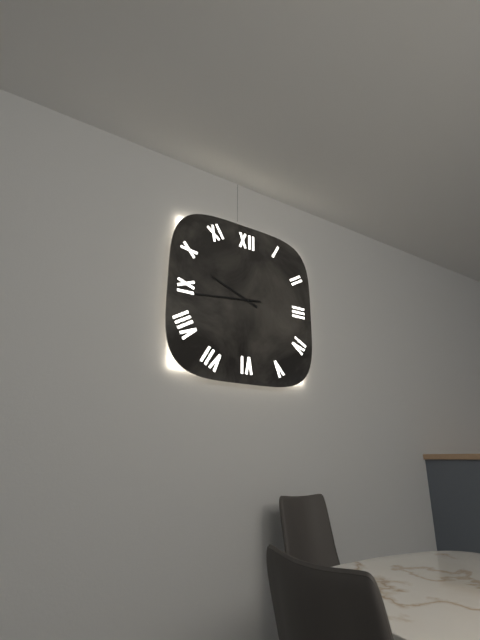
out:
9 h 44 min
